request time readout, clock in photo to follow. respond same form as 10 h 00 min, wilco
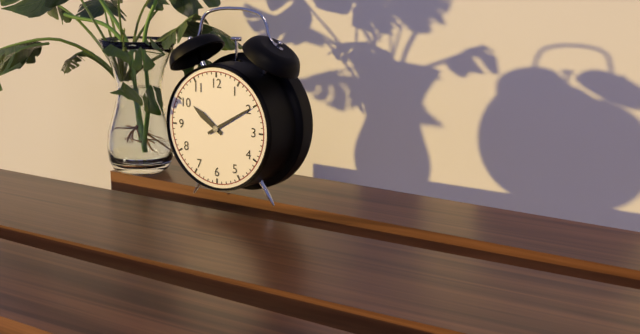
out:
10 h 10 min
